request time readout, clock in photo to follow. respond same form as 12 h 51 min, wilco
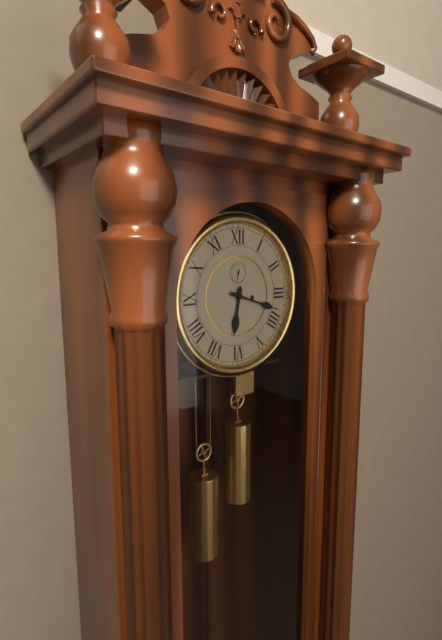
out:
6 h 18 min
